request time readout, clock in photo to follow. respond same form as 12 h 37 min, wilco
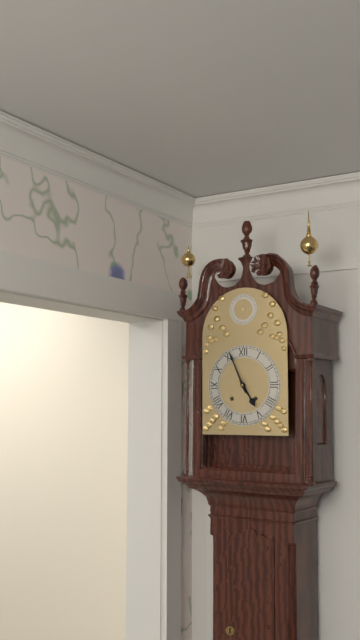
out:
4 h 56 min
